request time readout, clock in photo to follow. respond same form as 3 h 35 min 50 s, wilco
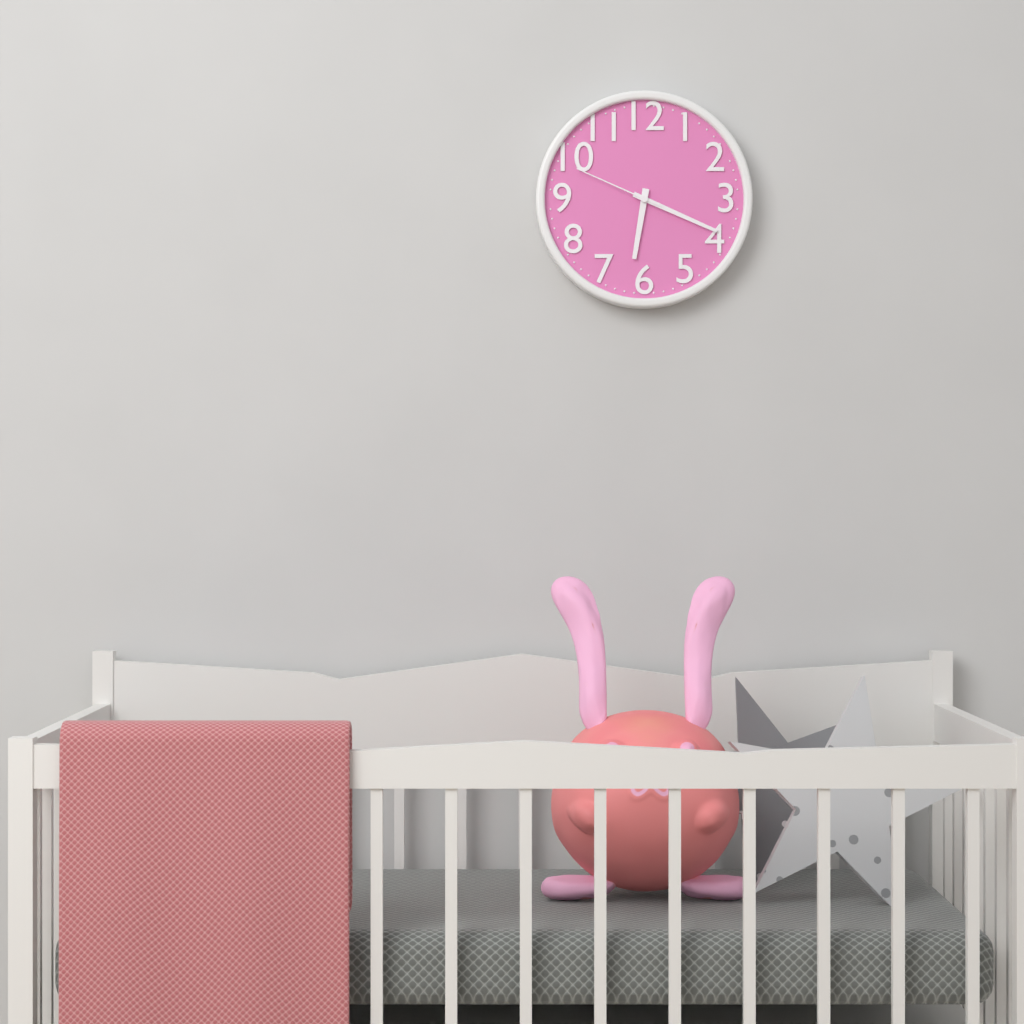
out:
6 h 19 min 49 s
